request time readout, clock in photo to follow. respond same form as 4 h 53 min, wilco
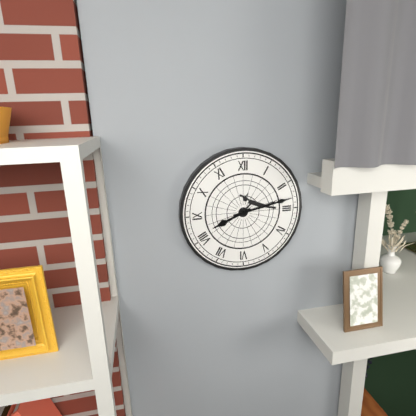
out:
8 h 13 min
